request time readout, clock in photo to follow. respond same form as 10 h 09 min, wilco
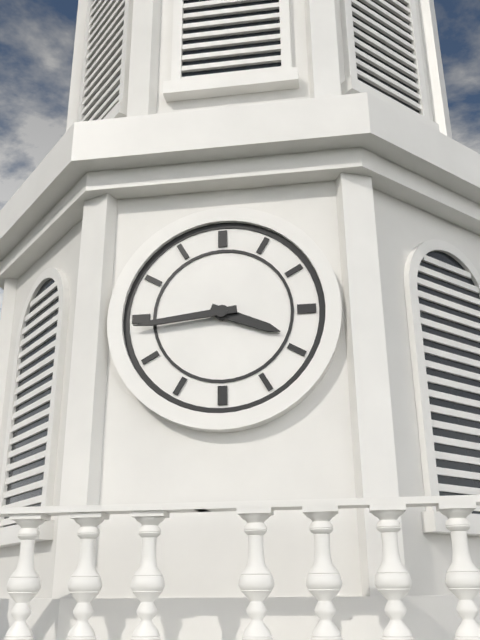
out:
3 h 44 min
